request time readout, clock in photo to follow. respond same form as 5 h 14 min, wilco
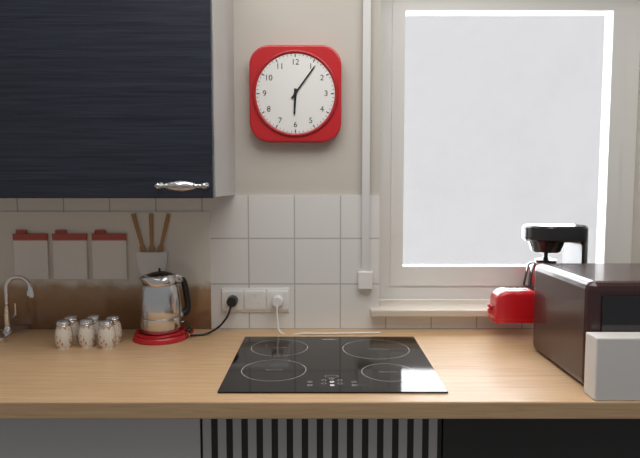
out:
6 h 06 min
